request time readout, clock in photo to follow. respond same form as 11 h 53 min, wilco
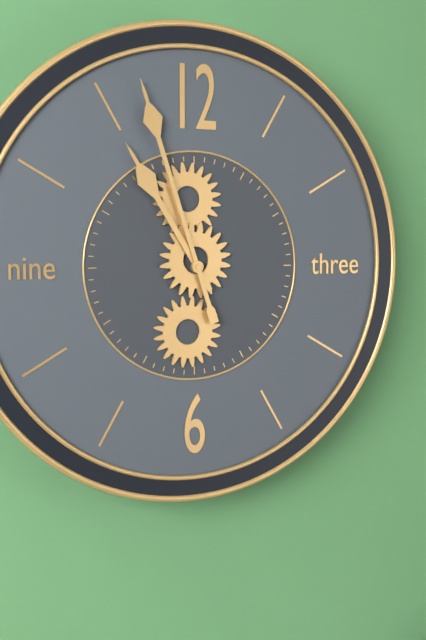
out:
10 h 57 min
